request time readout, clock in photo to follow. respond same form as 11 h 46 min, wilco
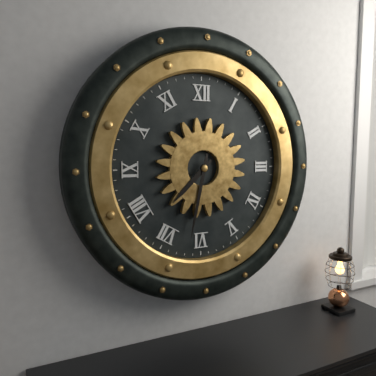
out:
7 h 32 min
